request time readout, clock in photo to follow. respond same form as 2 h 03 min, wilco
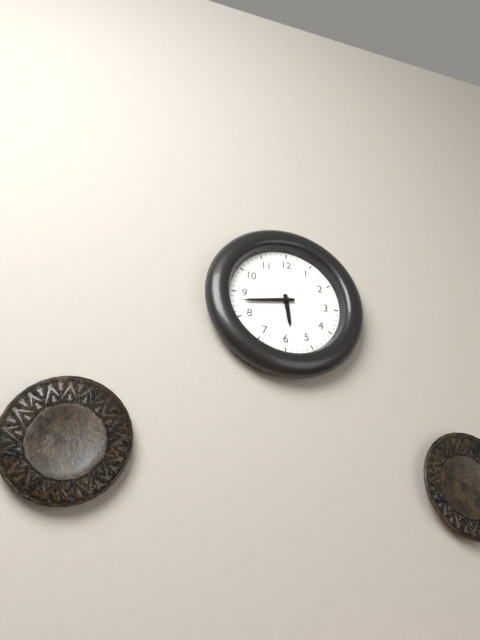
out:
5 h 43 min
